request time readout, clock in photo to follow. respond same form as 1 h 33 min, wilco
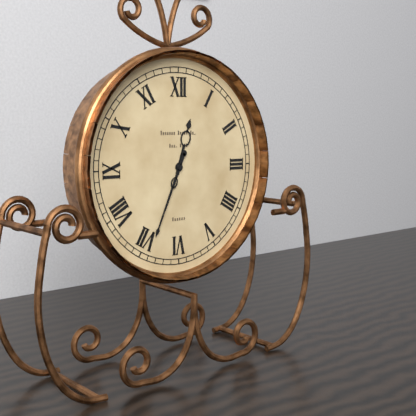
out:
12 h 34 min
